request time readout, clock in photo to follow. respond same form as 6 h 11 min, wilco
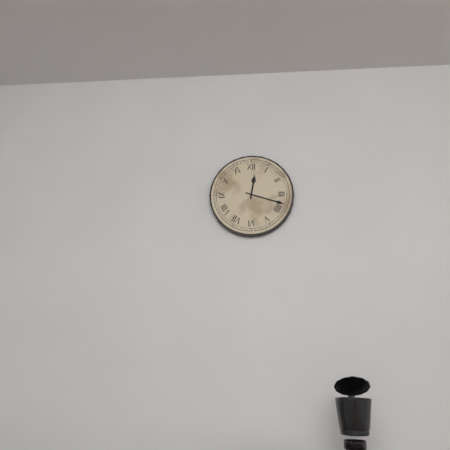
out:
12 h 18 min
